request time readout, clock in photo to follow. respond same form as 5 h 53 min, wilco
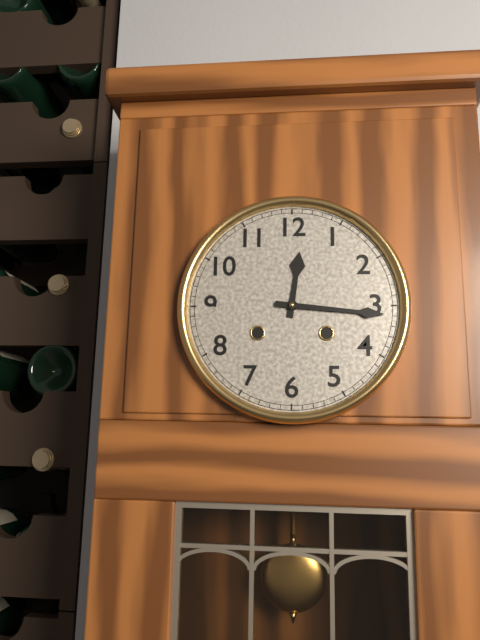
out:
12 h 16 min
